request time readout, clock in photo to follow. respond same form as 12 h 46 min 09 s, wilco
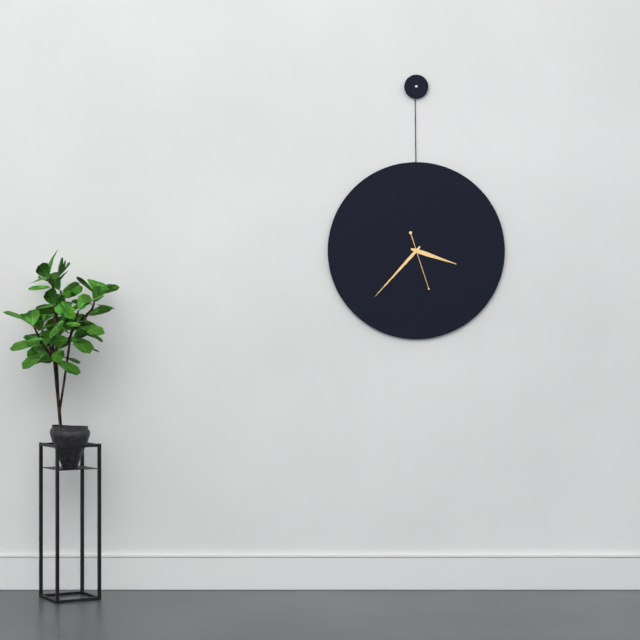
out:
3 h 37 min 27 s
